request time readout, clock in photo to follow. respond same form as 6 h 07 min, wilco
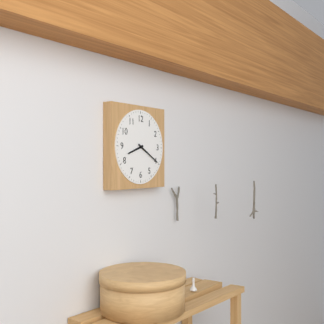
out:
8 h 20 min
